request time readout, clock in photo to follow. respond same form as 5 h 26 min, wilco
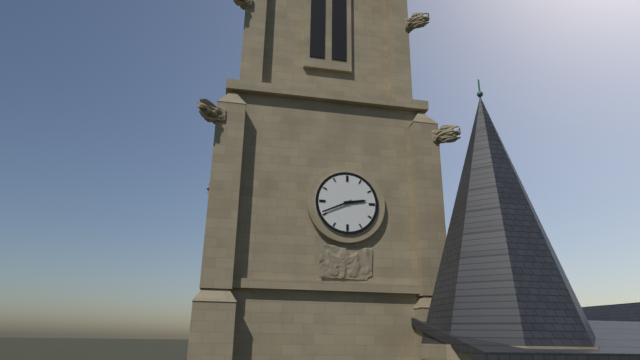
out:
2 h 41 min
